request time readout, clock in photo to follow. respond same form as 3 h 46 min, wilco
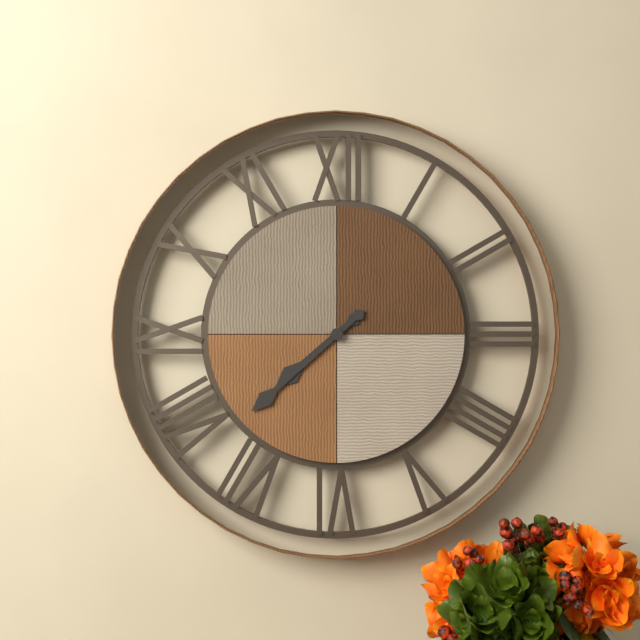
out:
7 h 38 min
